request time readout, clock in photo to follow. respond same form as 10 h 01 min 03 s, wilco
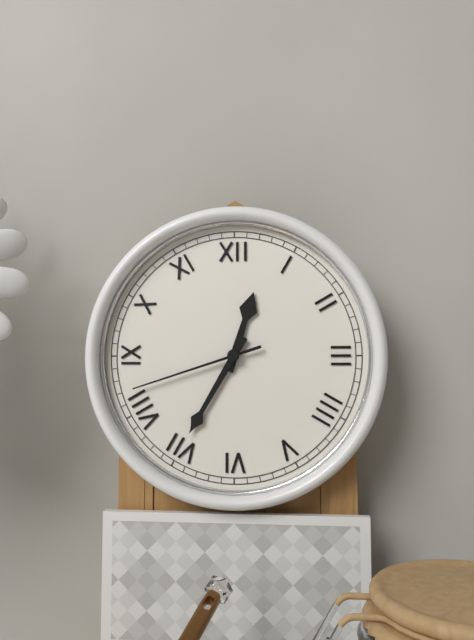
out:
12 h 35 min 42 s
